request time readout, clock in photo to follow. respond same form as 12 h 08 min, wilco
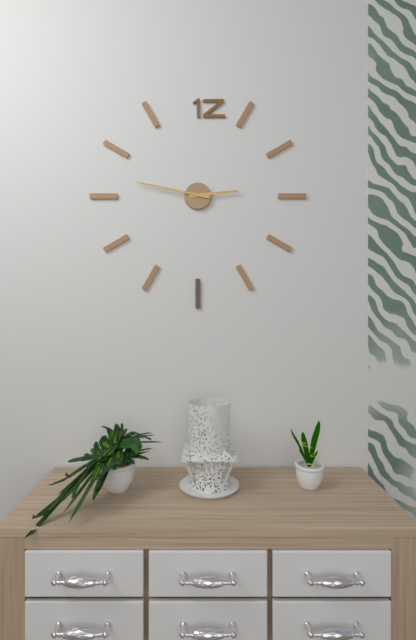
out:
2 h 47 min
